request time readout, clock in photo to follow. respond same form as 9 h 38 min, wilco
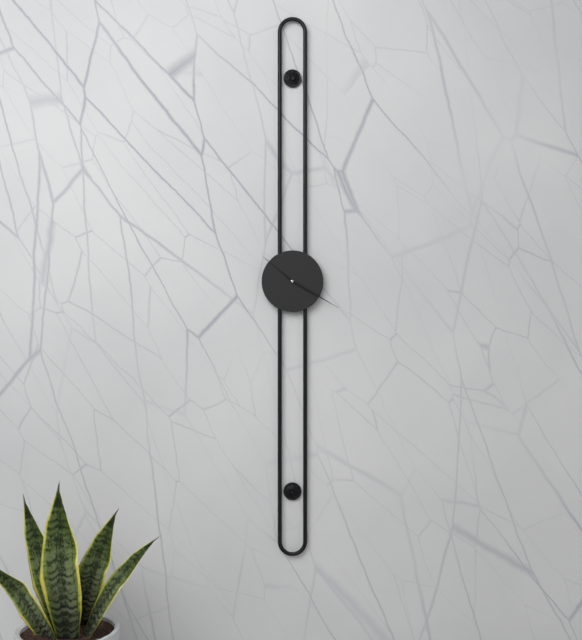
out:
10 h 20 min
